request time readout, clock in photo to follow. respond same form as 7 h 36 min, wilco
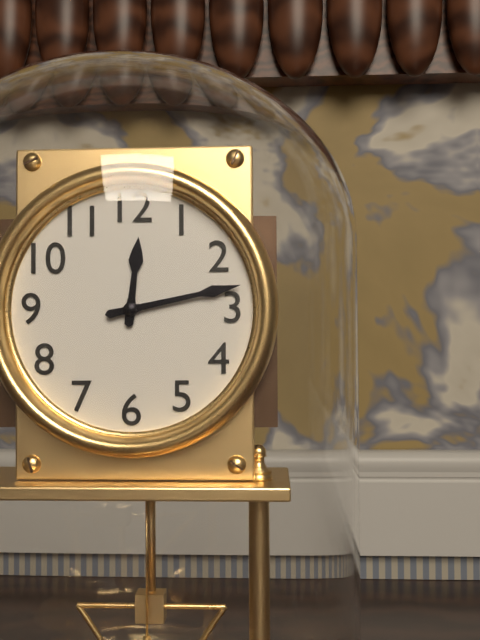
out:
12 h 13 min
